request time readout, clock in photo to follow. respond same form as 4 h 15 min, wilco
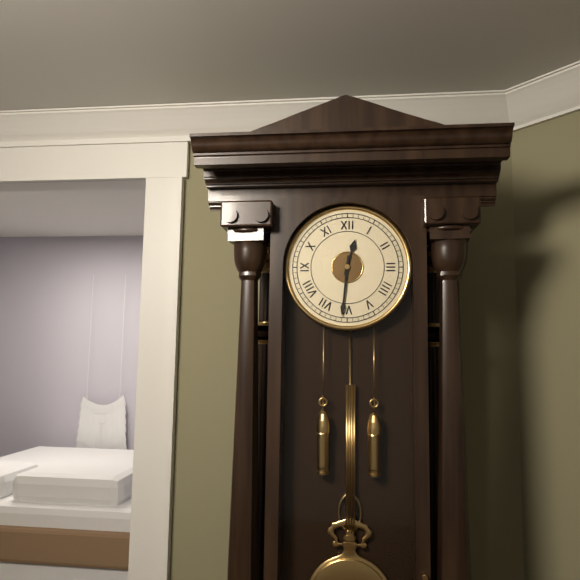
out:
12 h 31 min
